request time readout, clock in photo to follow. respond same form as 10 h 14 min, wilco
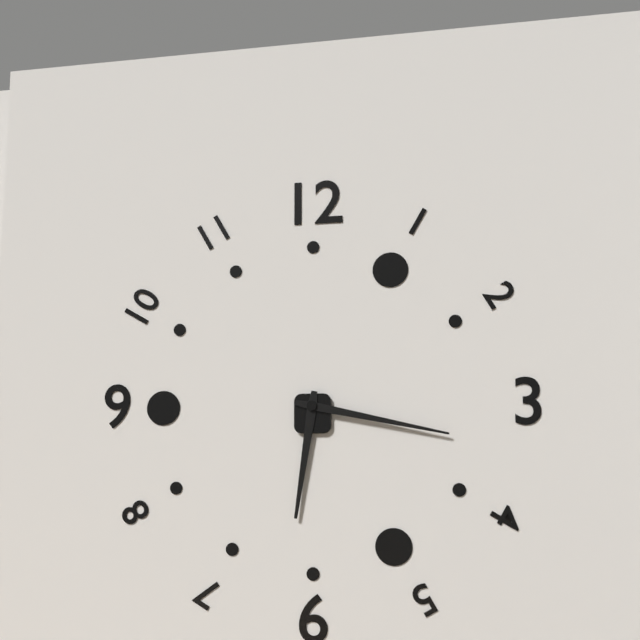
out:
6 h 17 min
